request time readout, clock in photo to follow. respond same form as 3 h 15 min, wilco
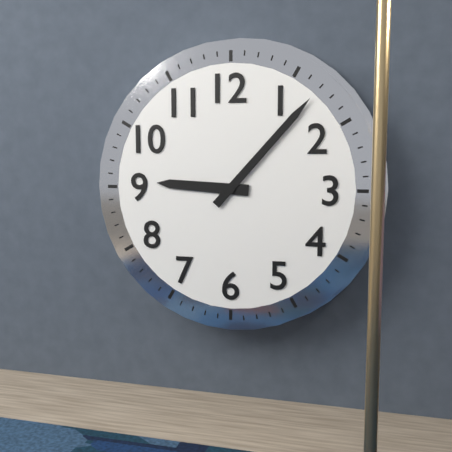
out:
9 h 07 min
